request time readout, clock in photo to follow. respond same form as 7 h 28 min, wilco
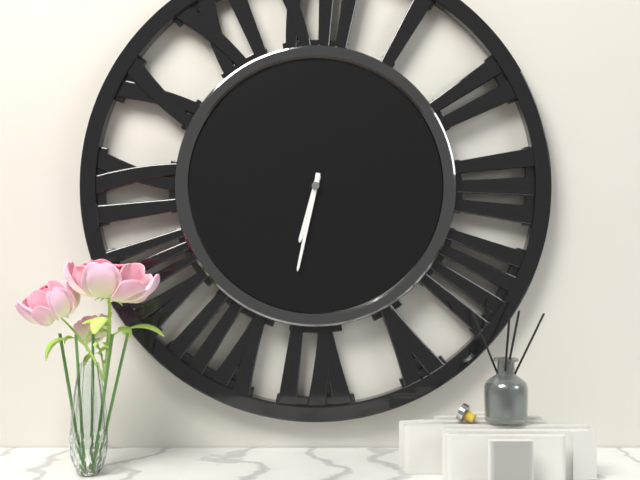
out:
6 h 32 min
